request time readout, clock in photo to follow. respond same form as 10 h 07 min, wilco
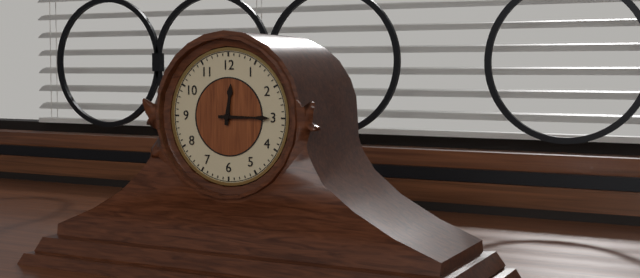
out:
12 h 15 min
